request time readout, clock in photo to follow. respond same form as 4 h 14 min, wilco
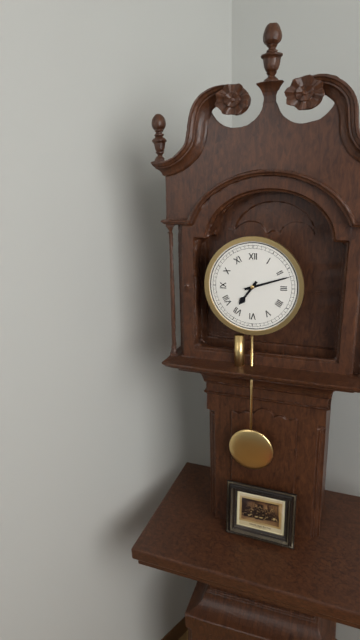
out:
7 h 12 min
